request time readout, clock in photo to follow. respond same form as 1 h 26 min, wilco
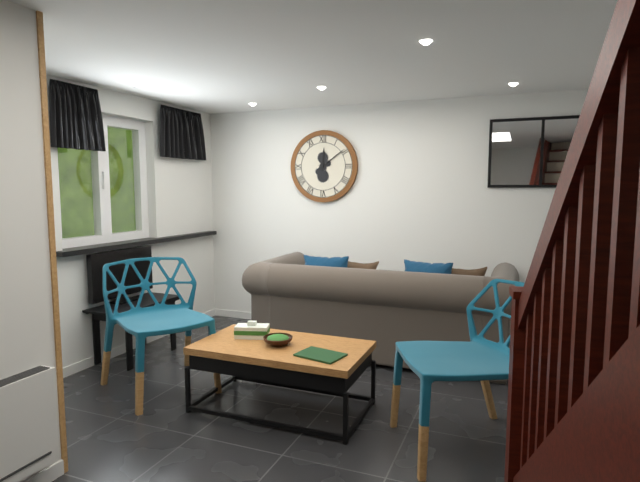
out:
12 h 09 min
